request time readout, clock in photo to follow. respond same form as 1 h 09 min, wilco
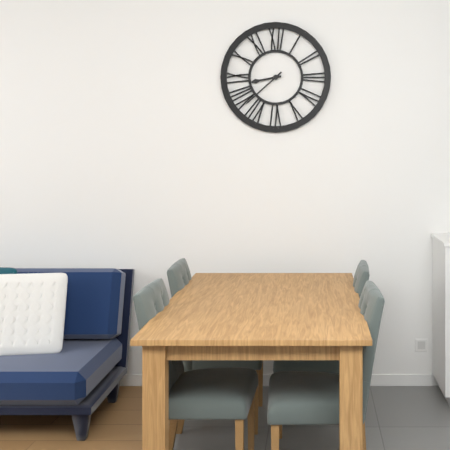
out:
8 h 38 min
